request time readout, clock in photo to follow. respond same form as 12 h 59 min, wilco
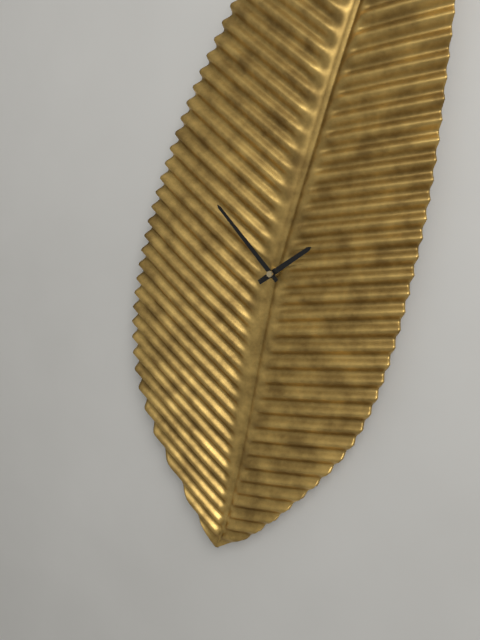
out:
1 h 53 min
